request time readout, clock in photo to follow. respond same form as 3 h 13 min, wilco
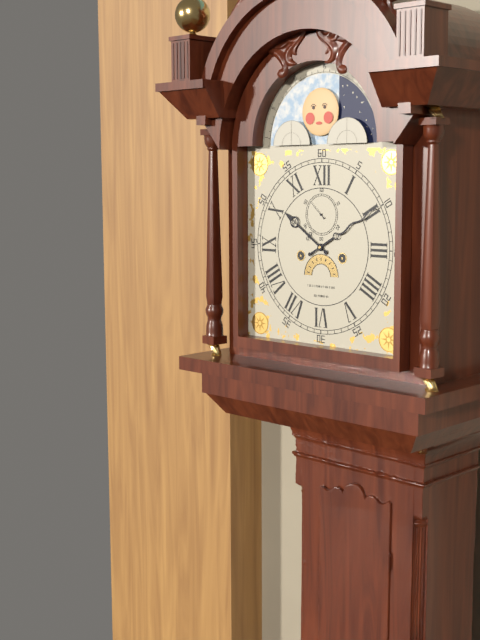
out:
10 h 10 min
